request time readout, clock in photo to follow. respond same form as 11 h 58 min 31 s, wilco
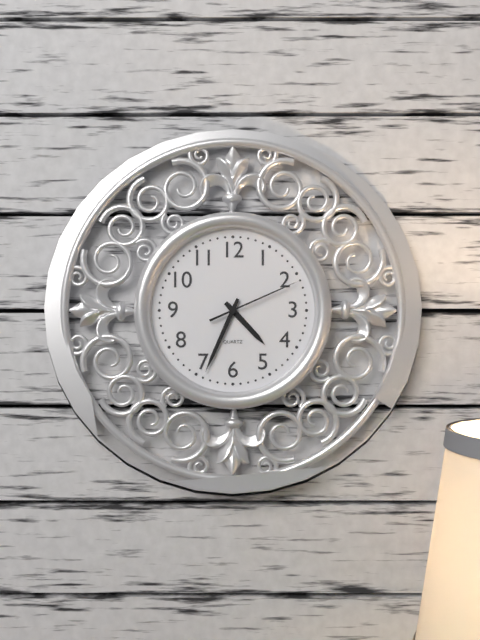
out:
4 h 34 min 11 s
